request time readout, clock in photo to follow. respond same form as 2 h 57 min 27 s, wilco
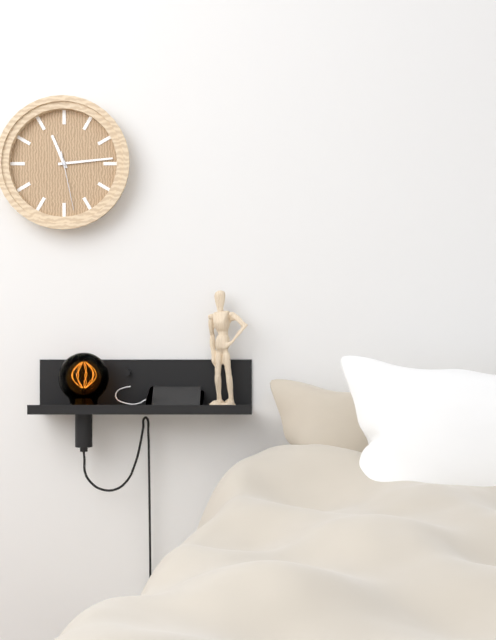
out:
11 h 14 min 28 s
